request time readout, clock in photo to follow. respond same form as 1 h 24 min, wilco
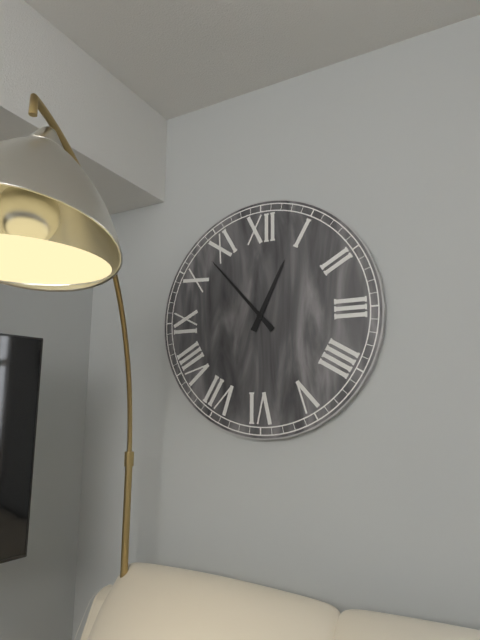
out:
12 h 53 min
